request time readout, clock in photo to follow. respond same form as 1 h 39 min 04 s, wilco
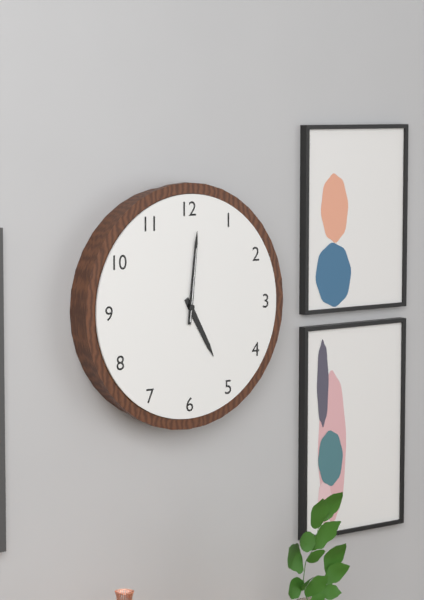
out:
5 h 01 min 01 s
